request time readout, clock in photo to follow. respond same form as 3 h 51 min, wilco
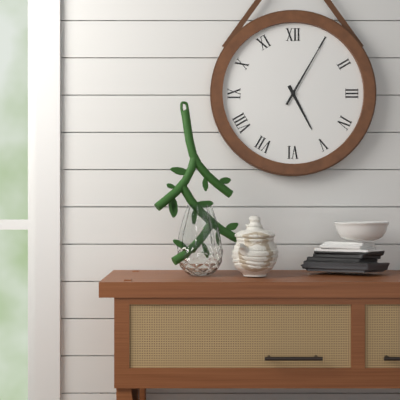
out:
5 h 05 min
